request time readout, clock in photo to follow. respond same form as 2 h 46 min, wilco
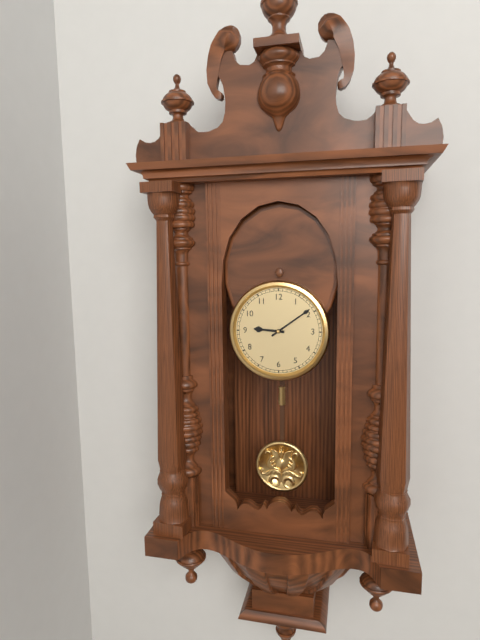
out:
9 h 09 min
